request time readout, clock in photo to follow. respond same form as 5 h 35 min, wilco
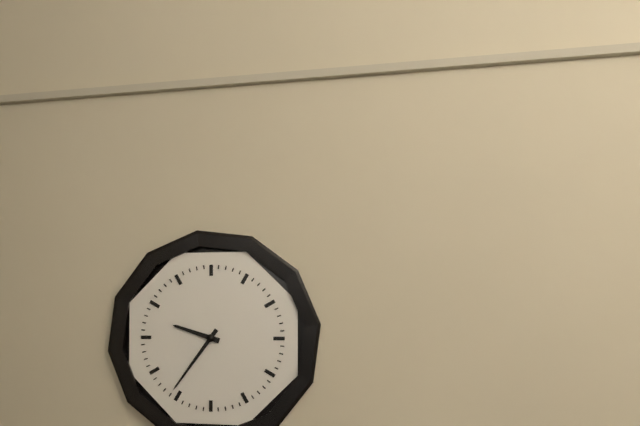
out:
9 h 36 min
